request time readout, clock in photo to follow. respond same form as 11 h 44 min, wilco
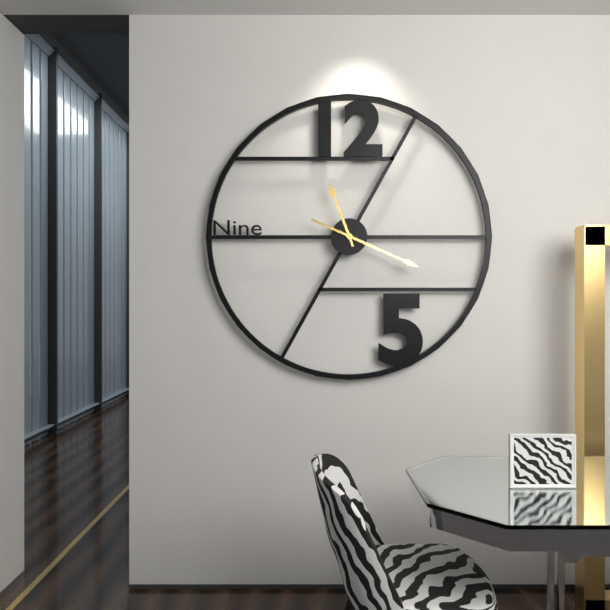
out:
11 h 19 min
